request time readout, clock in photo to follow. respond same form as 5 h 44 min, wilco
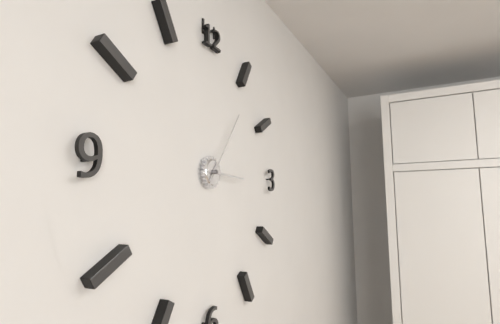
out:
3 h 06 min
